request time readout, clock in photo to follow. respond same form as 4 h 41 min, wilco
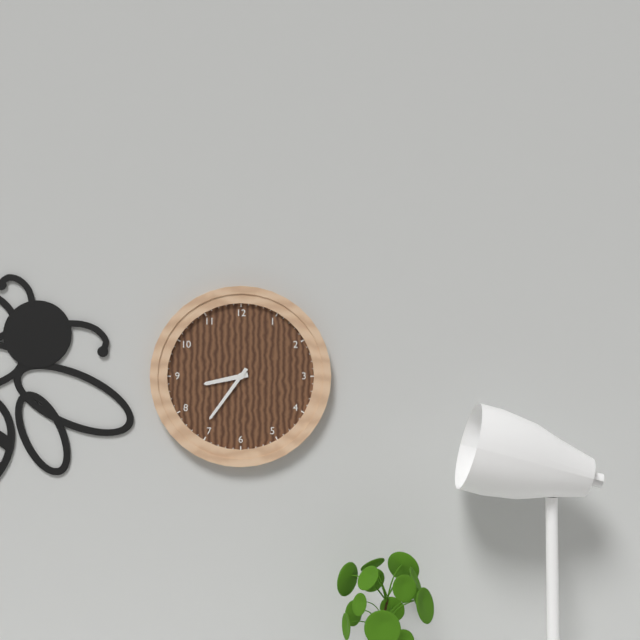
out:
8 h 36 min
